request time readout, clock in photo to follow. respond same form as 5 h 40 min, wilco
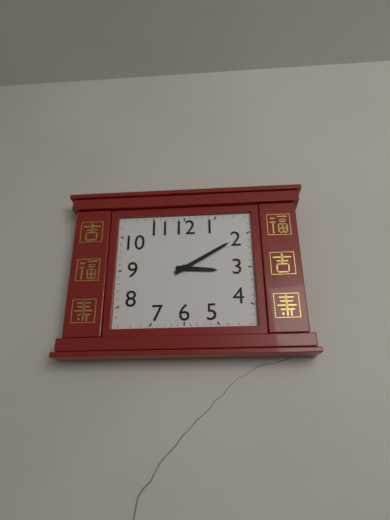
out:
3 h 10 min
